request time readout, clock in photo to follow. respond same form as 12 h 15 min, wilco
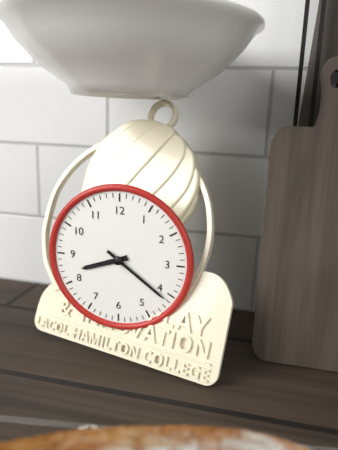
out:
8 h 21 min
